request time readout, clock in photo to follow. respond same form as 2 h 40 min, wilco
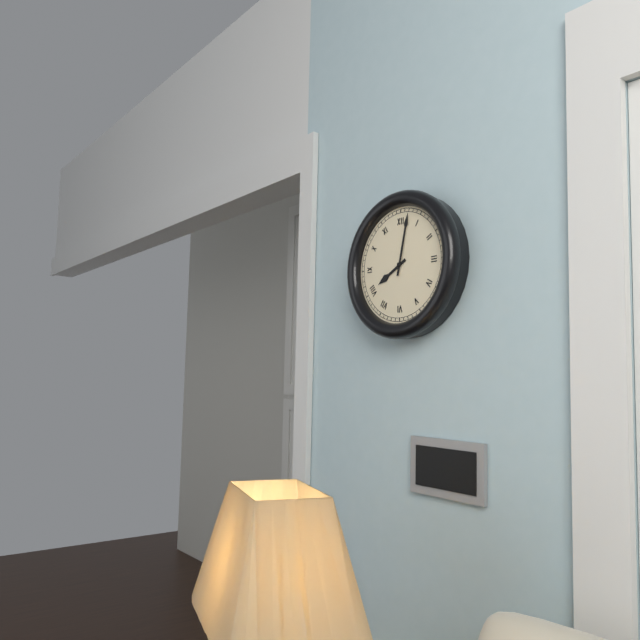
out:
8 h 02 min
